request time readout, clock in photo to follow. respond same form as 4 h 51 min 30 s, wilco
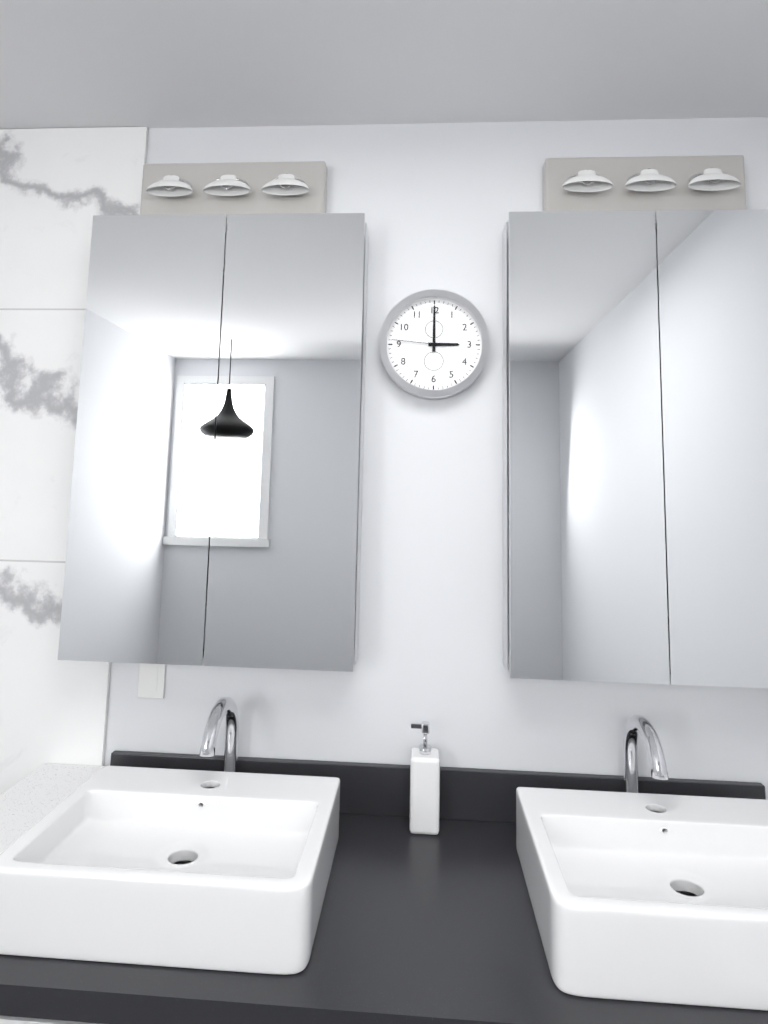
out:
3 h 00 min 46 s
